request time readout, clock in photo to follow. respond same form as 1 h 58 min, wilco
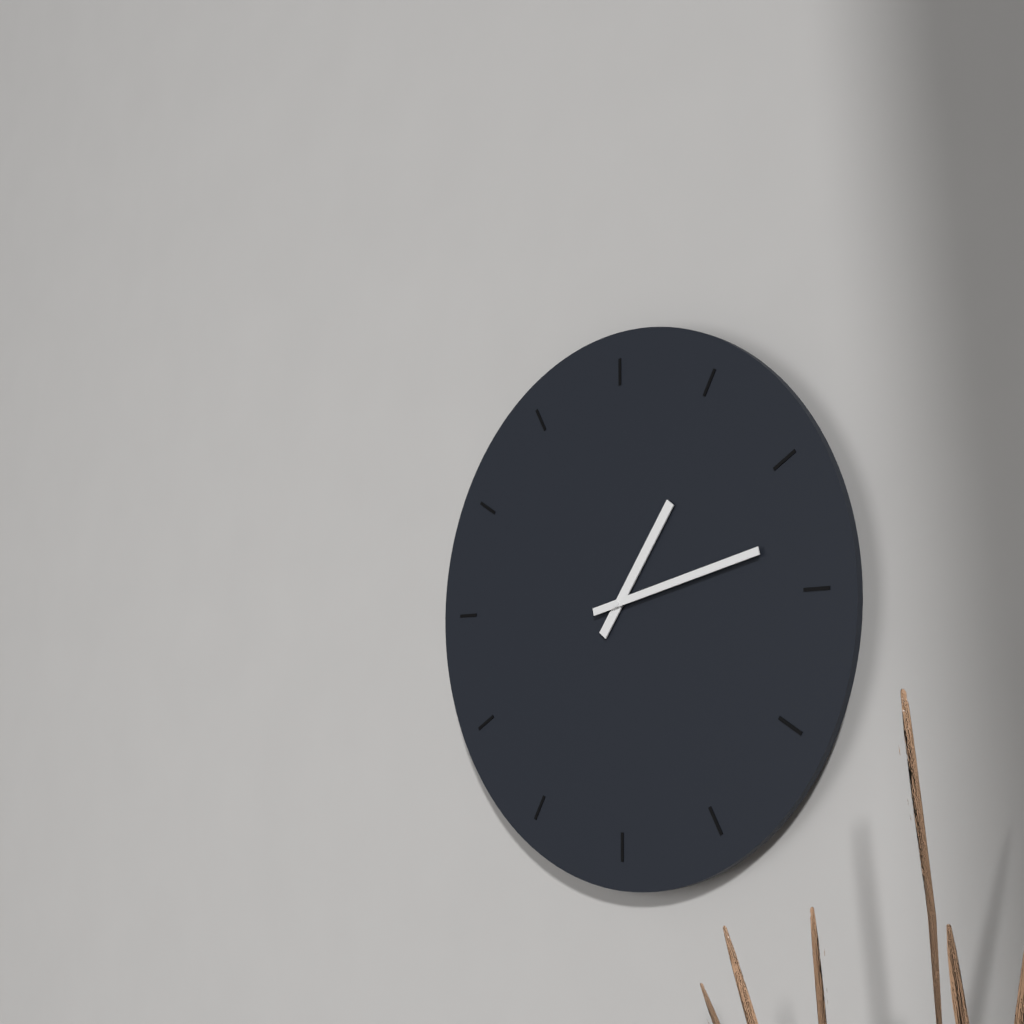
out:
1 h 13 min
